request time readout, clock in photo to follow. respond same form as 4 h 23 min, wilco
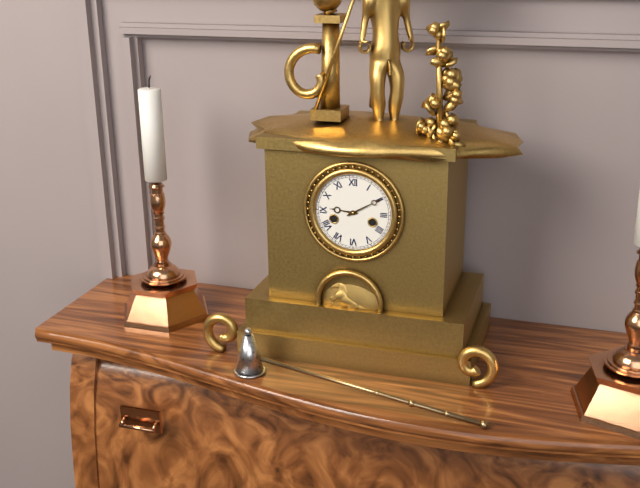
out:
9 h 10 min
